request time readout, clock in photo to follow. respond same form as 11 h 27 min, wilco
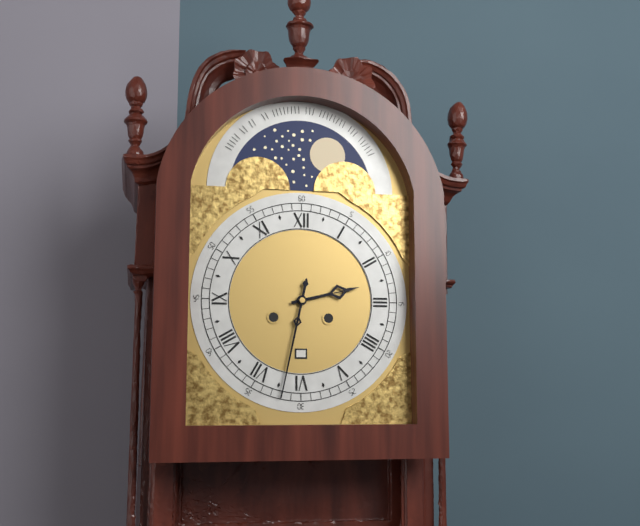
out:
2 h 32 min
